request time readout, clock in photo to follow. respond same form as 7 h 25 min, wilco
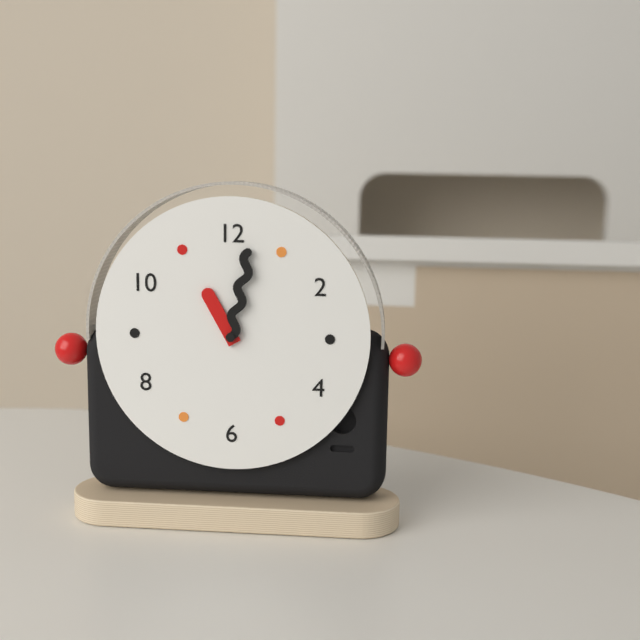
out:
11 h 02 min
